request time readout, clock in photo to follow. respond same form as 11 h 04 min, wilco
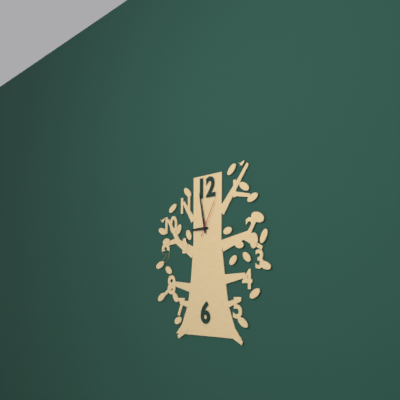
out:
8 h 58 min
